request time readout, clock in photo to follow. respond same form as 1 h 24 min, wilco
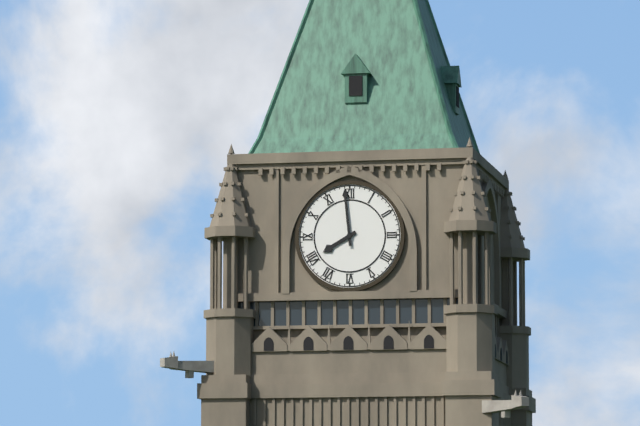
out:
7 h 59 min
